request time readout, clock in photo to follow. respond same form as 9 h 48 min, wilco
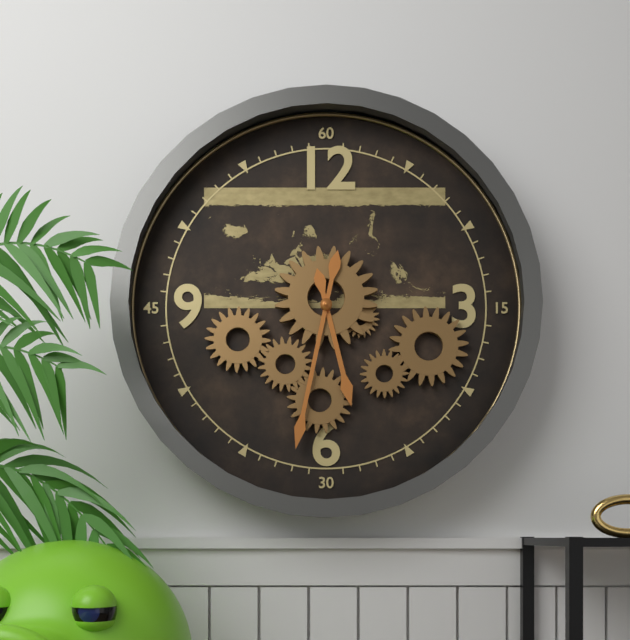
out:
5 h 32 min
